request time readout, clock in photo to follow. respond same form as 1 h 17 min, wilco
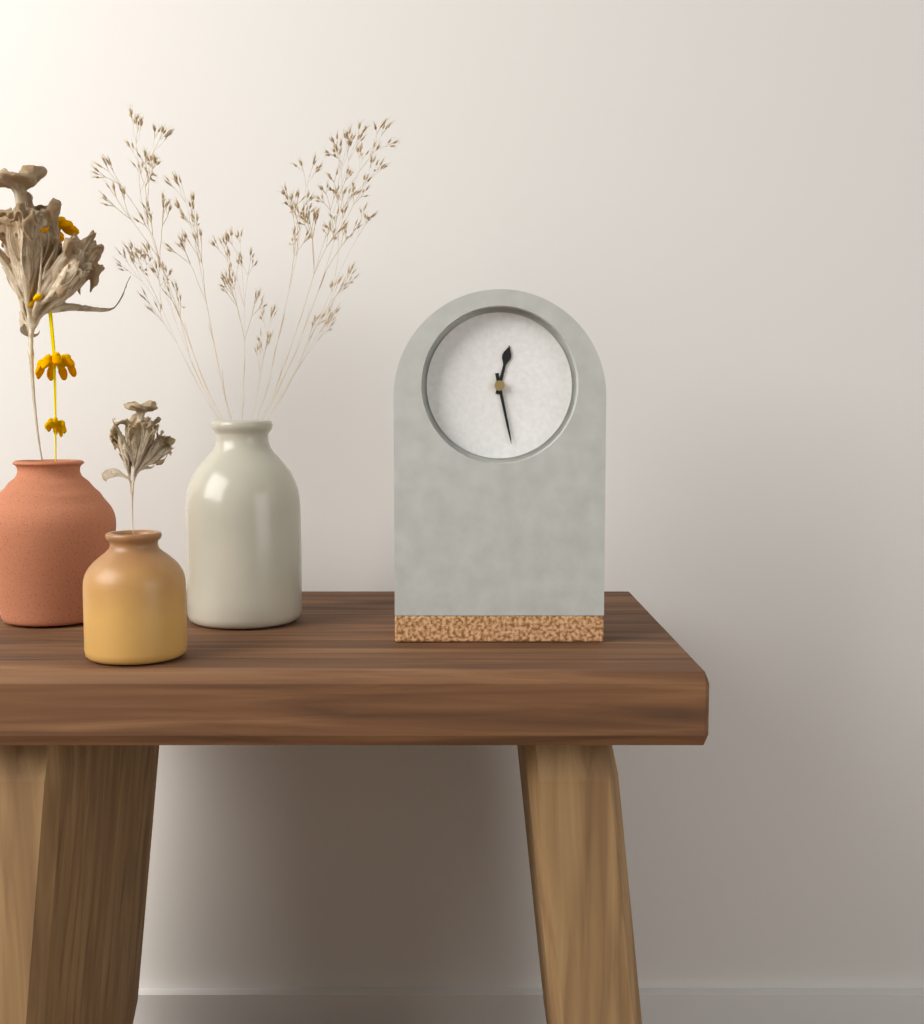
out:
12 h 28 min
